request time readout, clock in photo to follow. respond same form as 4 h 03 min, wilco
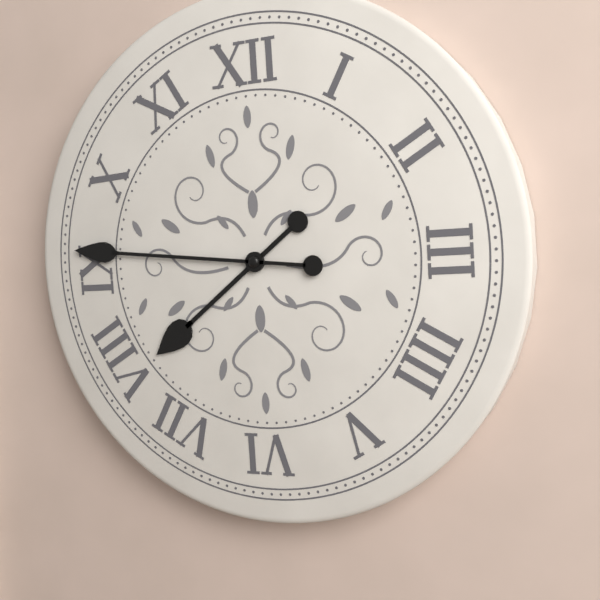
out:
7 h 46 min
